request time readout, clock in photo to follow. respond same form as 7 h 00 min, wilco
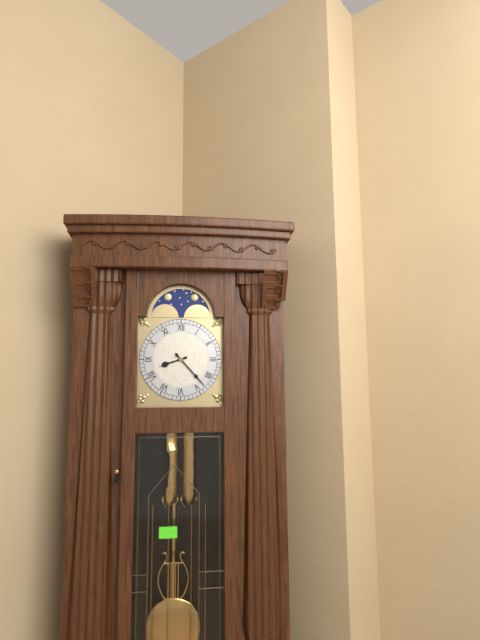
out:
8 h 23 min
